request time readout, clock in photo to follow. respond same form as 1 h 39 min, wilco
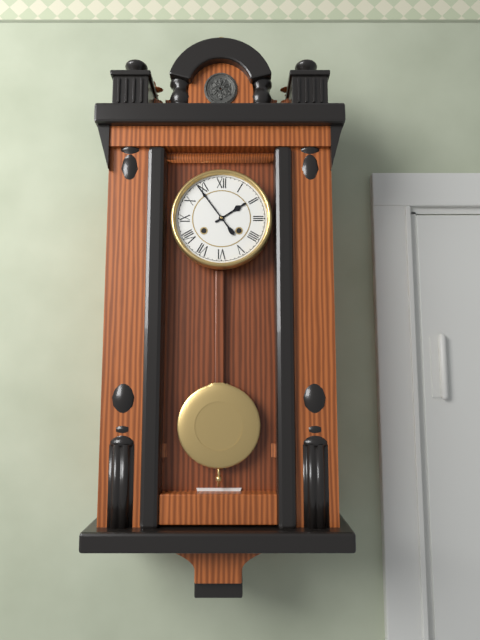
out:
1 h 54 min
